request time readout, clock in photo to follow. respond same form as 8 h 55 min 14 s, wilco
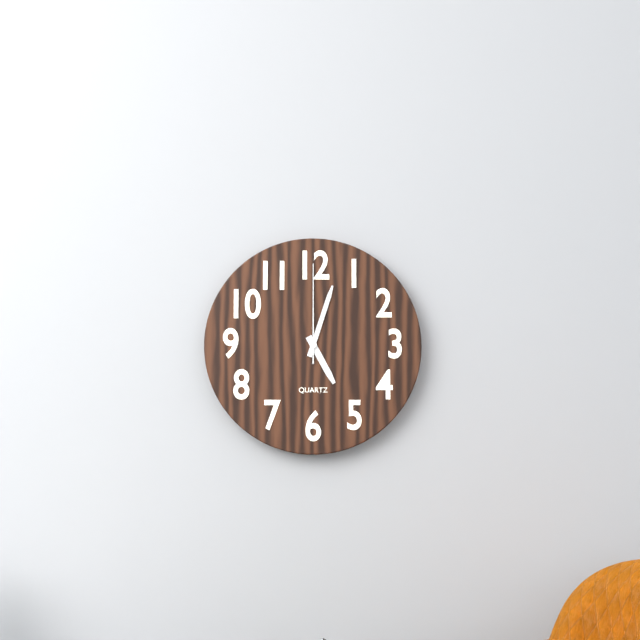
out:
5 h 03 min 00 s
